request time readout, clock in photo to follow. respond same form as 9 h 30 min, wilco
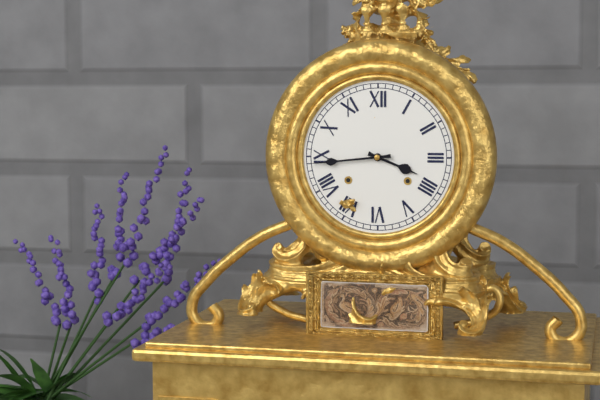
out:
3 h 44 min
